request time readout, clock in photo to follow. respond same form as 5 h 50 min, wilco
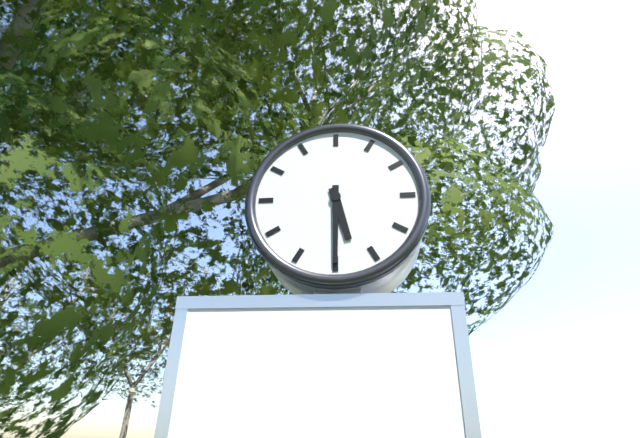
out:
5 h 30 min
